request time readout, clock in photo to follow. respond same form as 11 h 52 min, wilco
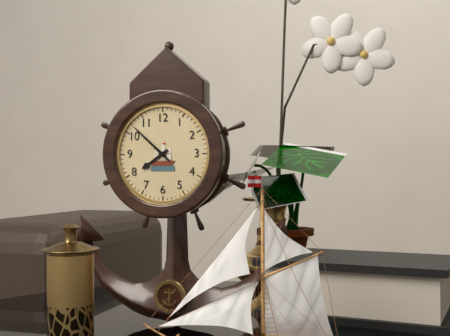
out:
7 h 52 min
